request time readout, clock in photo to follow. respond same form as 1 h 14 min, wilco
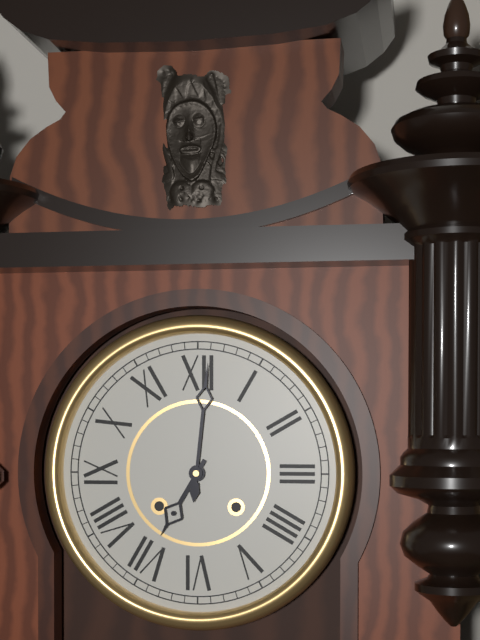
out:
7 h 01 min
